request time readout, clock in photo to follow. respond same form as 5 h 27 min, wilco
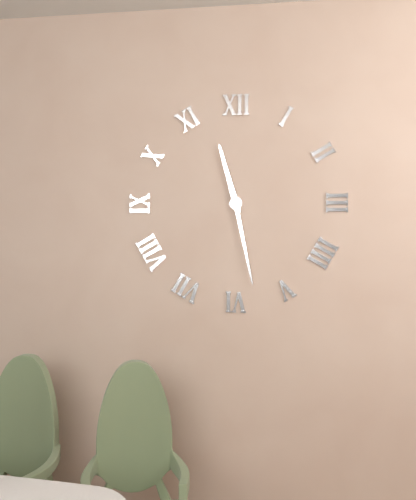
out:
11 h 28 min
